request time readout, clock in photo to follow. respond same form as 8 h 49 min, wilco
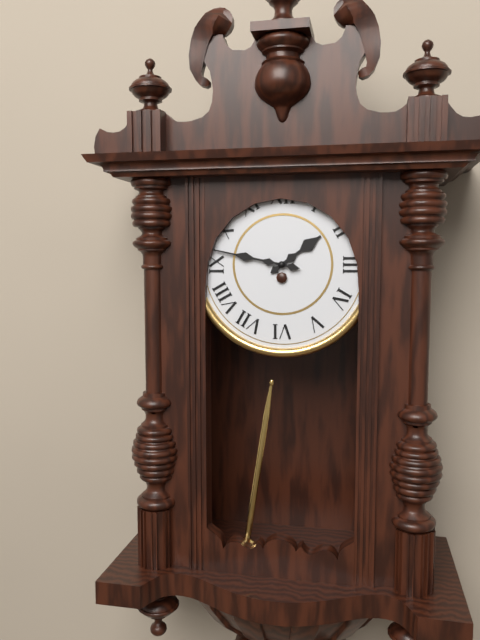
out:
1 h 47 min
